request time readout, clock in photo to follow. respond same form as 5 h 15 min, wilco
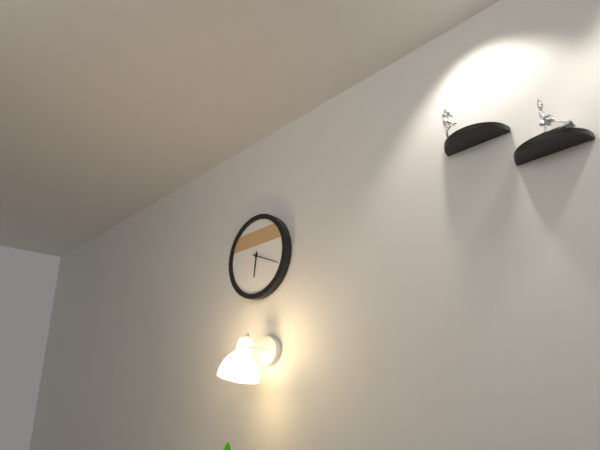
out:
6 h 19 min
